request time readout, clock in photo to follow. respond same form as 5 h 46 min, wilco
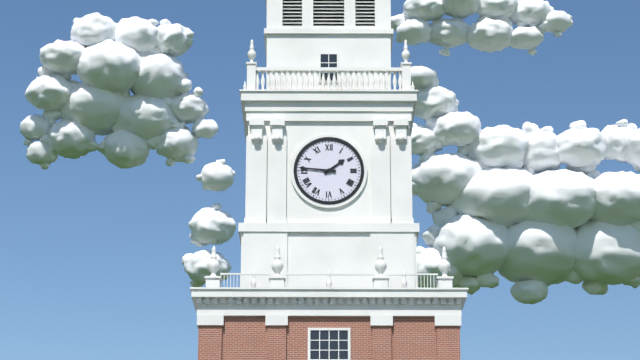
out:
1 h 46 min
